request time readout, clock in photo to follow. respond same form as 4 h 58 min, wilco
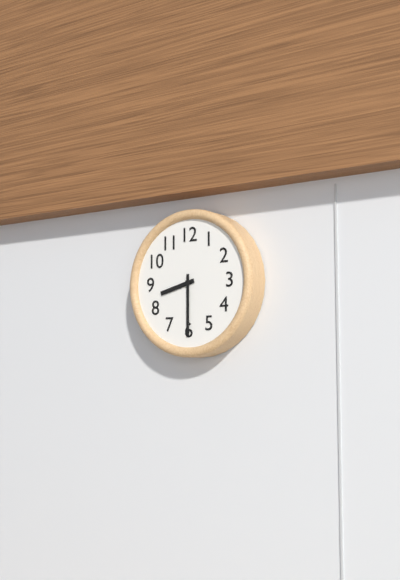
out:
8 h 30 min
